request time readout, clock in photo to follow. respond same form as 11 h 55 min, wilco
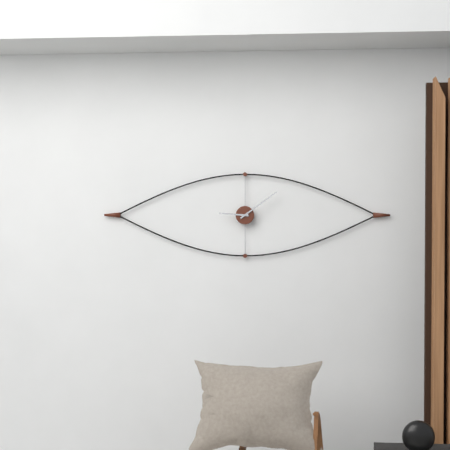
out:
9 h 09 min
